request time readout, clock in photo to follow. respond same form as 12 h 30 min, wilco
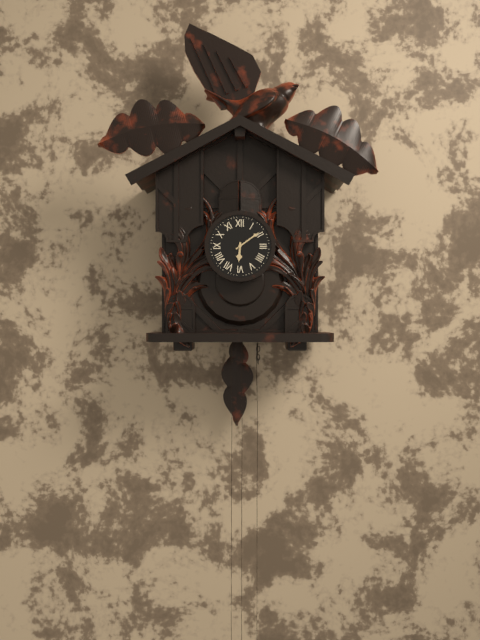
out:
6 h 09 min
